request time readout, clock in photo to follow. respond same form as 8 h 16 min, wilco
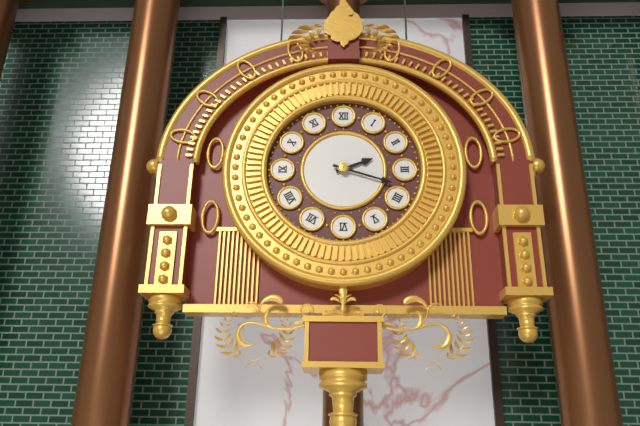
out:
2 h 18 min
